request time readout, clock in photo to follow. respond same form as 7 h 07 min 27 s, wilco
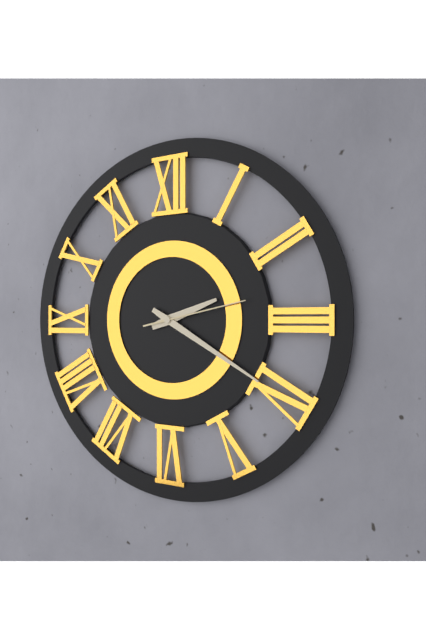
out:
2 h 20 min 13 s
